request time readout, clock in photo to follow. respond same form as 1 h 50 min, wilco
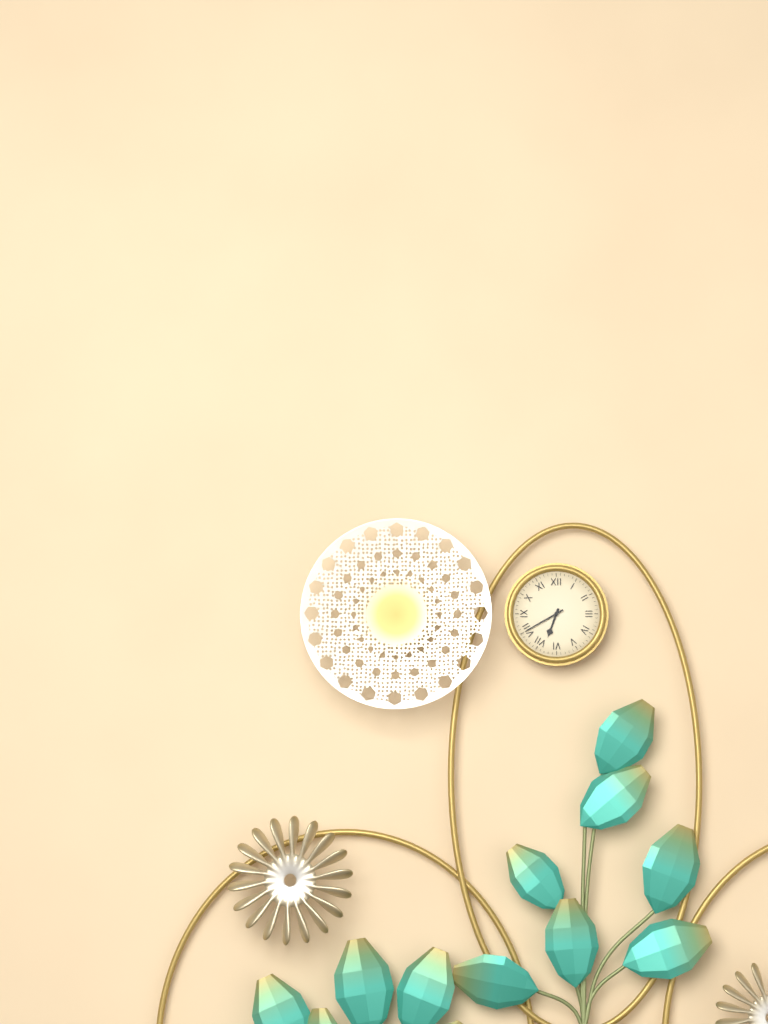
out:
6 h 40 min
